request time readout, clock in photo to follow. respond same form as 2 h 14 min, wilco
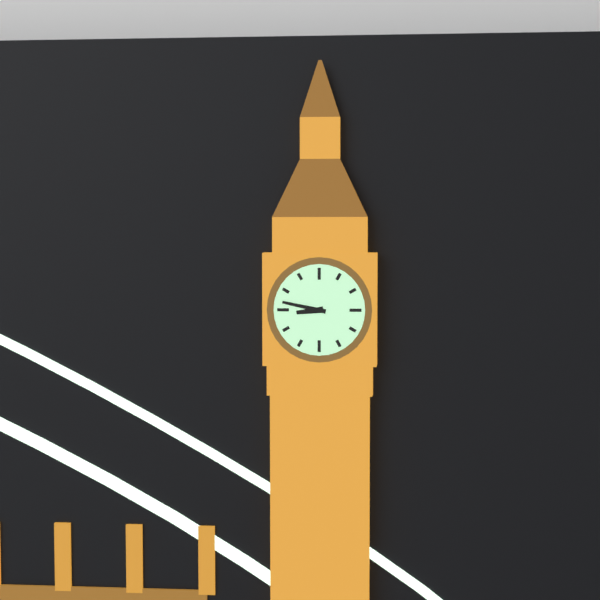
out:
8 h 47 min
